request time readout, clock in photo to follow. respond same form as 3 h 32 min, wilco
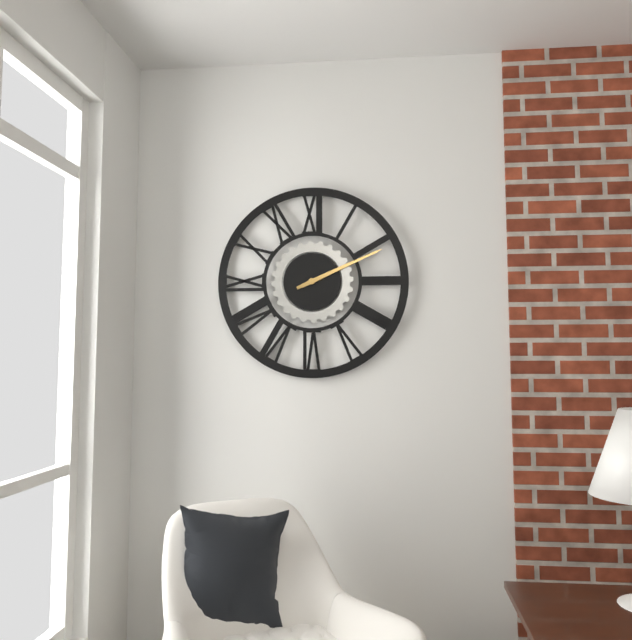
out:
2 h 11 min
